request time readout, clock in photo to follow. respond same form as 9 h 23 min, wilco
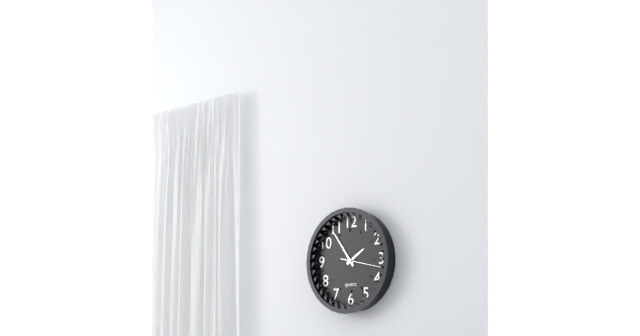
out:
1 h 54 min
